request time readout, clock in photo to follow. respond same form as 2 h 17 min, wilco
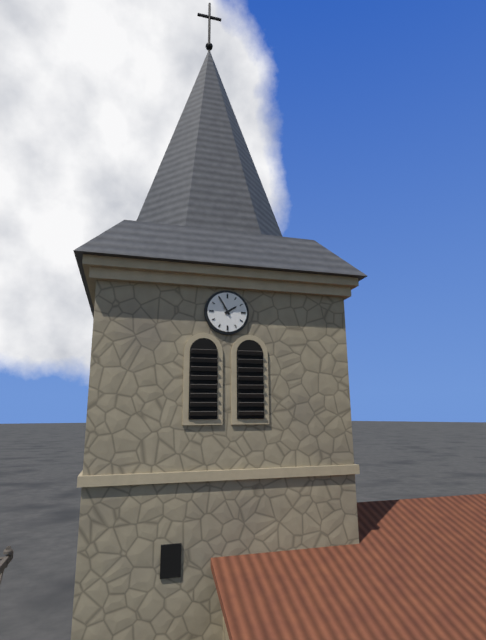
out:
1 h 55 min
